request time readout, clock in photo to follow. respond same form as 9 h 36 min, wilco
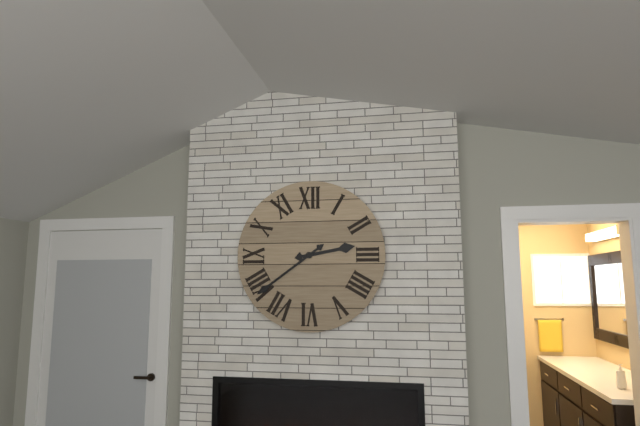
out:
2 h 39 min
